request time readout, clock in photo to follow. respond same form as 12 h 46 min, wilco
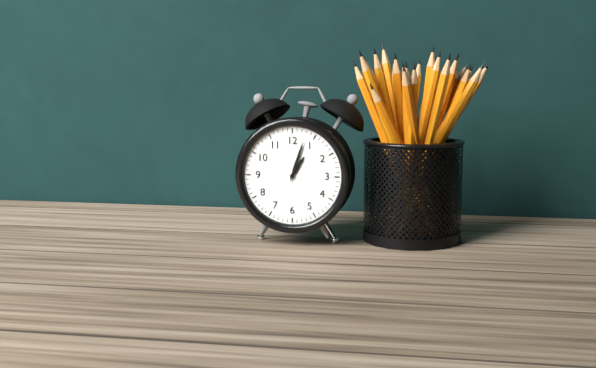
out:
1 h 03 min
